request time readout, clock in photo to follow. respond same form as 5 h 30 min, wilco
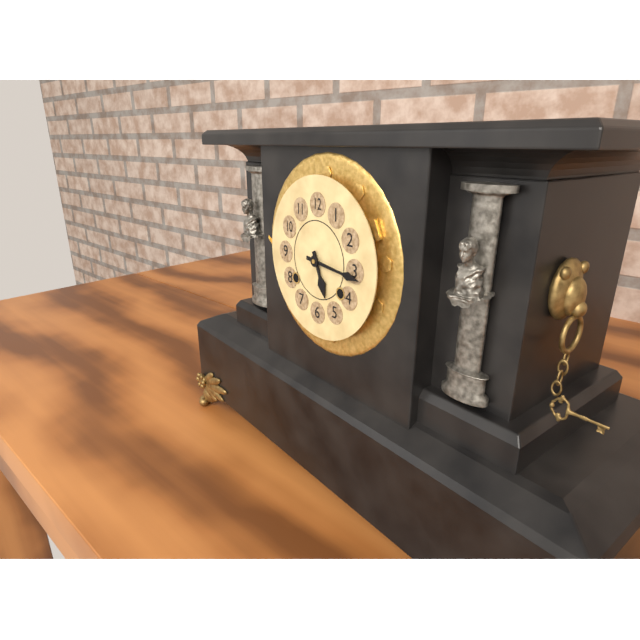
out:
5 h 16 min
